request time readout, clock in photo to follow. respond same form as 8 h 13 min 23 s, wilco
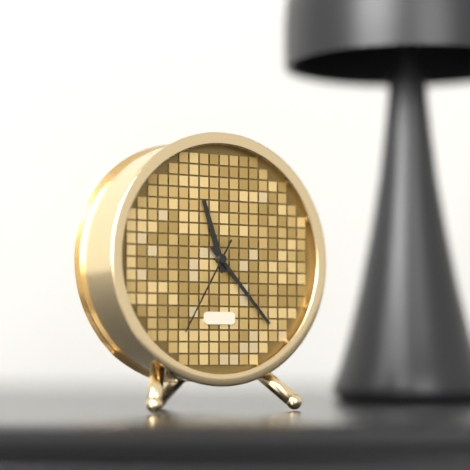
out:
11 h 23 min 35 s
